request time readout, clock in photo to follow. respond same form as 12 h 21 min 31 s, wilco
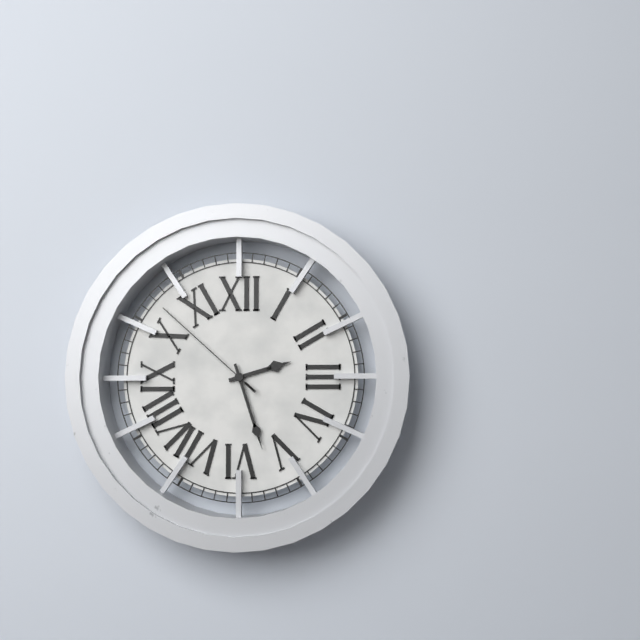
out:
2 h 27 min 52 s
